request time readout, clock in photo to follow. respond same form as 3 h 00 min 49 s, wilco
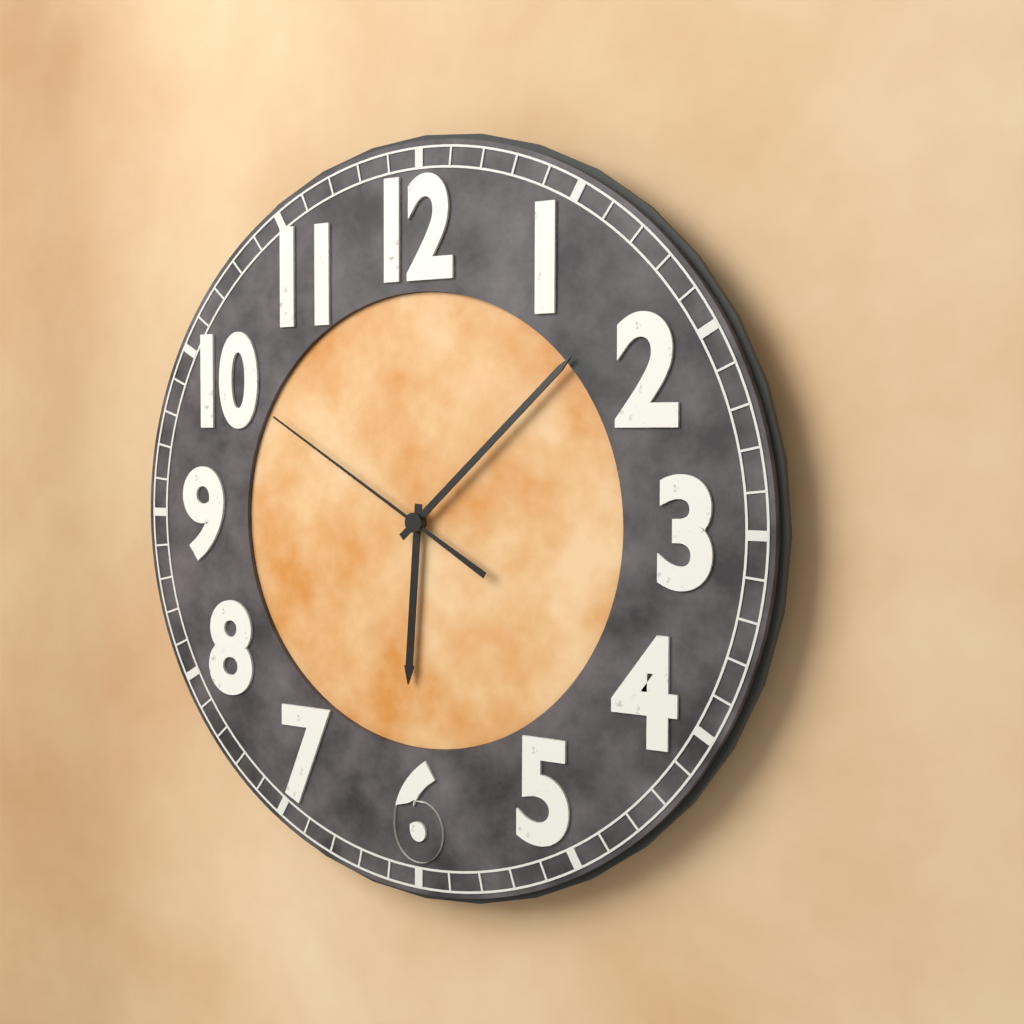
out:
6 h 08 min 50 s
